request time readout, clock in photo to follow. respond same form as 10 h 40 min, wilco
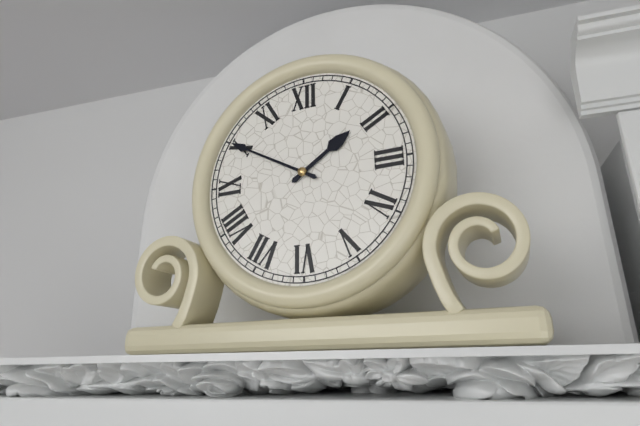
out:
1 h 50 min
